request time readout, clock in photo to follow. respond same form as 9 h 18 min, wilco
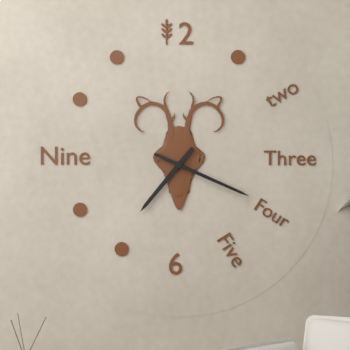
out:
7 h 19 min
